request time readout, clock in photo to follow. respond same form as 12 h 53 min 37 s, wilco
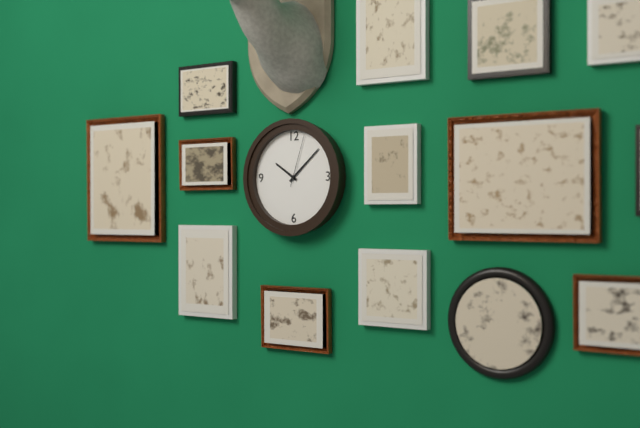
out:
10 h 08 min 03 s
